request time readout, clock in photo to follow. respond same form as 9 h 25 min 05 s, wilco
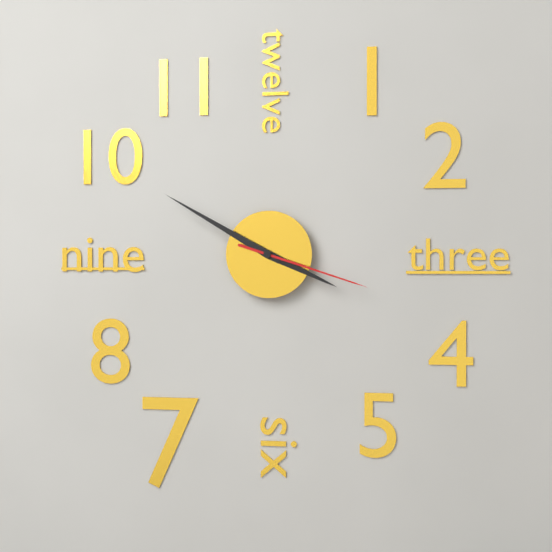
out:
3 h 50 min 18 s
